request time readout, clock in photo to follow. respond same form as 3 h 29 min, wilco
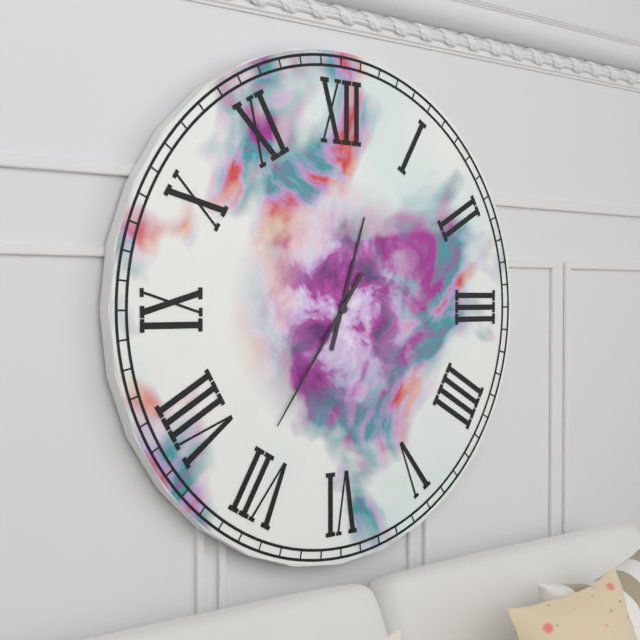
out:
12 h 36 min
